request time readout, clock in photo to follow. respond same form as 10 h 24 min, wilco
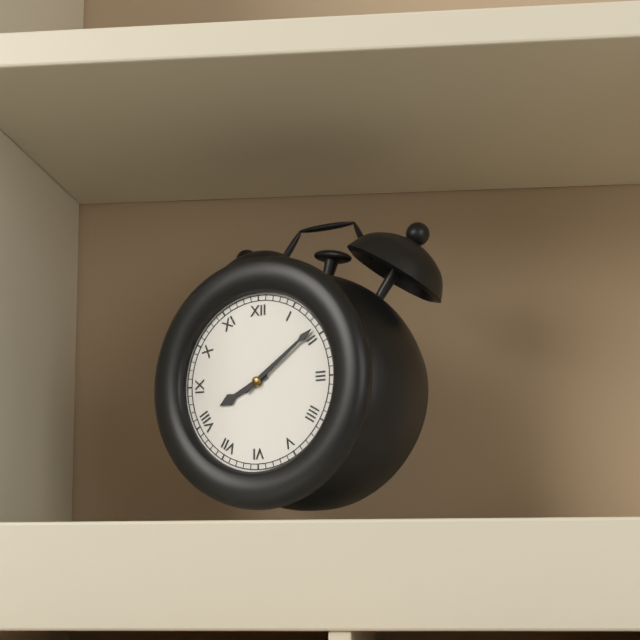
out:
8 h 09 min
